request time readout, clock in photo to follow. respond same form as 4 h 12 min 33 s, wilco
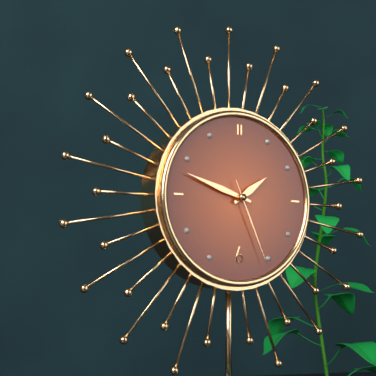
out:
1 h 48 min 26 s
